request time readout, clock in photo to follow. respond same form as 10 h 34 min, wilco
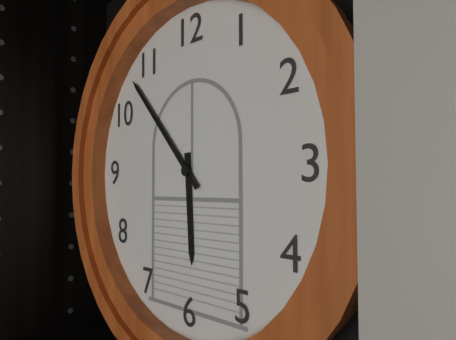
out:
5 h 53 min
